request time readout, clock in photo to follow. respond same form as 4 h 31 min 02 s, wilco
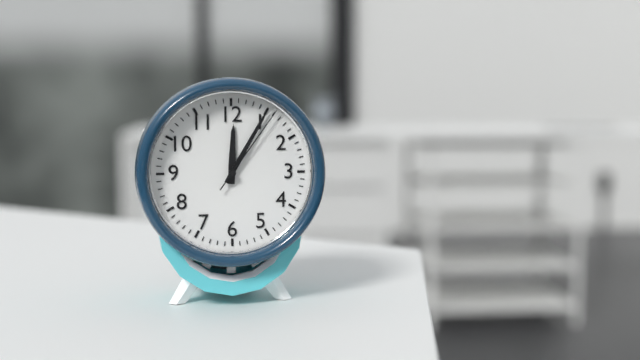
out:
12 h 05 min 06 s
